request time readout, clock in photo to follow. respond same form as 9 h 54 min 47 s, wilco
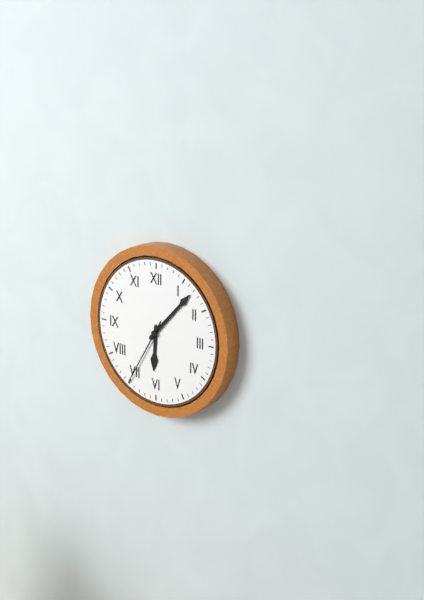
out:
6 h 07 min 35 s
